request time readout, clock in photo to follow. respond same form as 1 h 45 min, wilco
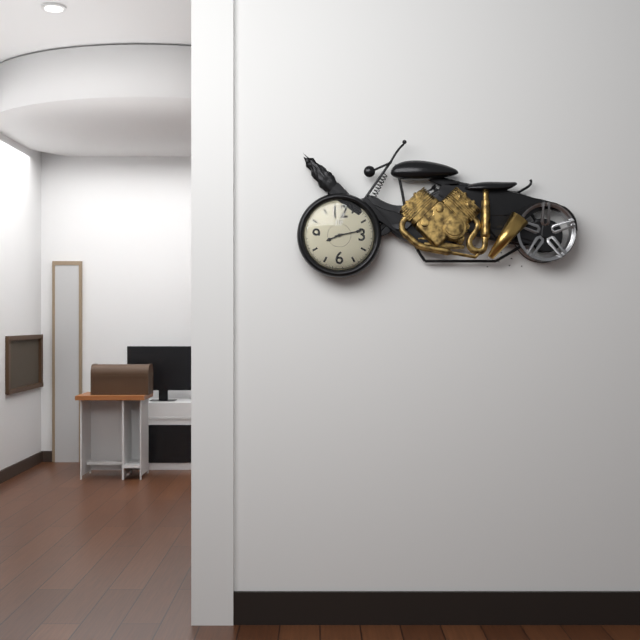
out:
8 h 13 min
